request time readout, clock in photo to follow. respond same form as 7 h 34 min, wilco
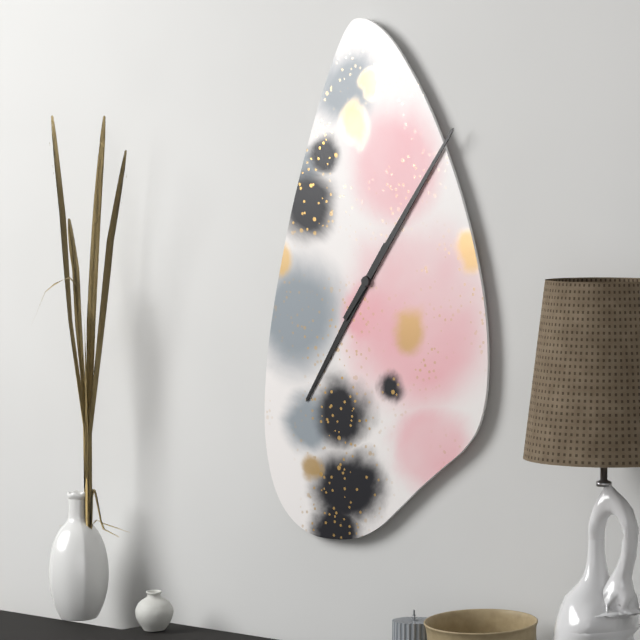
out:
7 h 06 min
